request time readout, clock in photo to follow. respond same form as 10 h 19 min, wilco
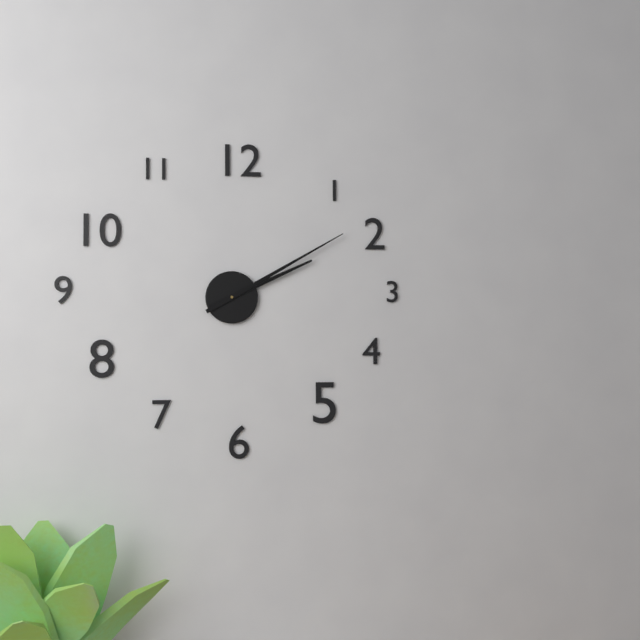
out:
2 h 10 min
